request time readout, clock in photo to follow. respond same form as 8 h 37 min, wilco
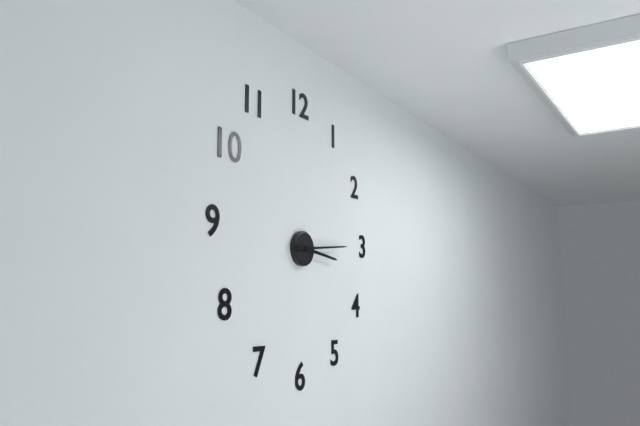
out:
3 h 14 min
